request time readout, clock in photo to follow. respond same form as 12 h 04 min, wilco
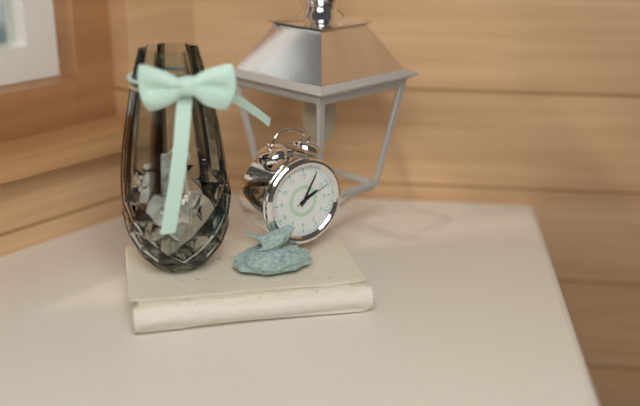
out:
2 h 05 min
